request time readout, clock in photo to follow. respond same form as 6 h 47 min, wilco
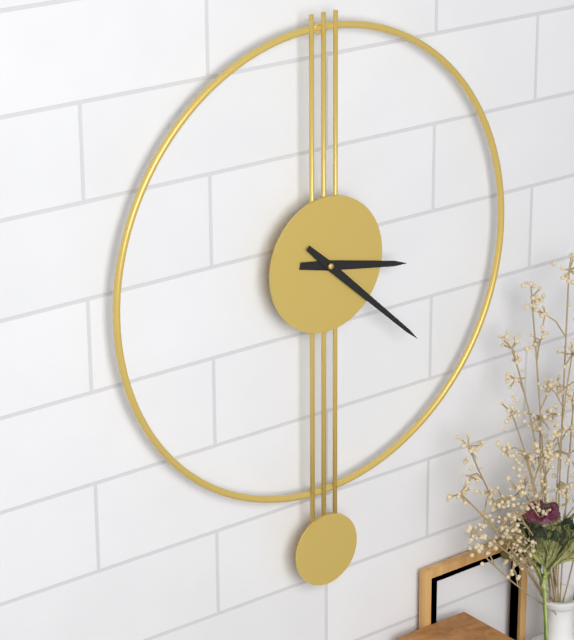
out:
3 h 22 min
